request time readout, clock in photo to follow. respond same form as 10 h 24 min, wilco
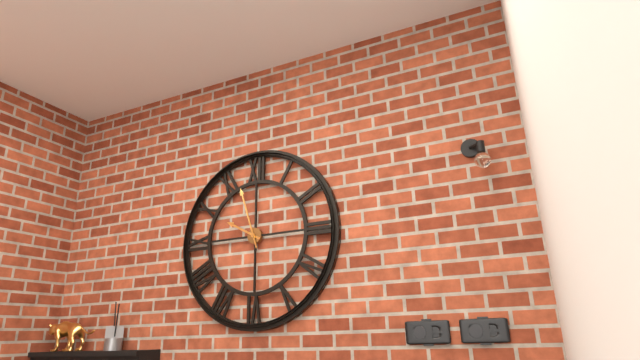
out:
9 h 57 min
